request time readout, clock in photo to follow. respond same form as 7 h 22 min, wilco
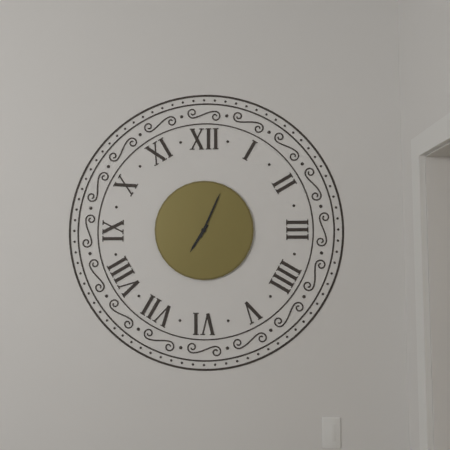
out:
7 h 04 min
